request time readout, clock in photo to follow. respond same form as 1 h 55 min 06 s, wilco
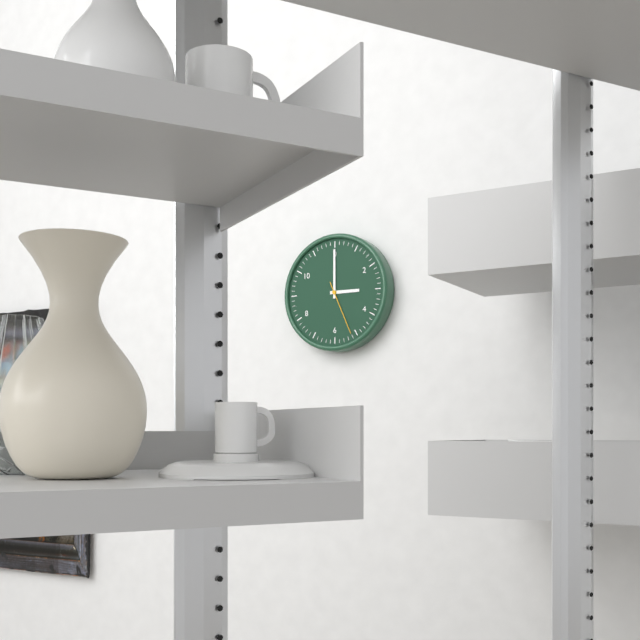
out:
3 h 00 min 26 s
